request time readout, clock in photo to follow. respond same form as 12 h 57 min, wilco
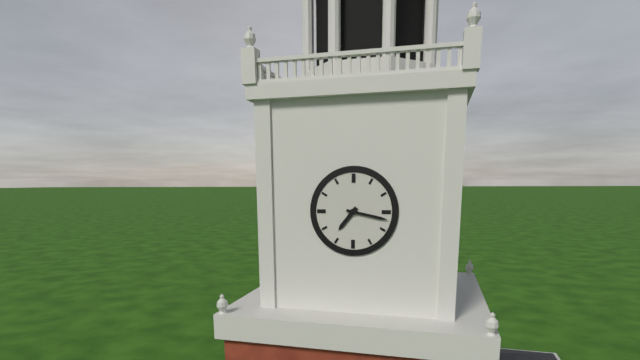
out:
7 h 17 min
